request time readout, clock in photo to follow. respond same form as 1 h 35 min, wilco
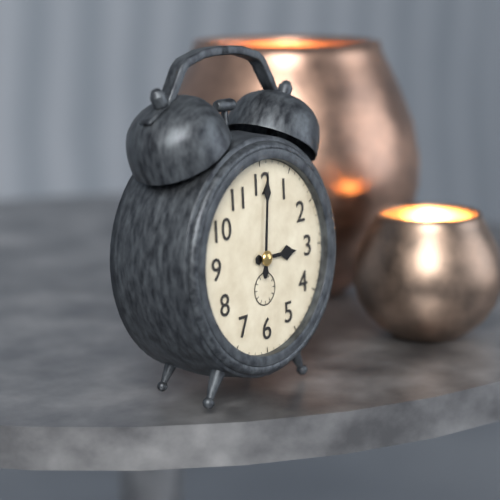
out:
3 h 01 min
